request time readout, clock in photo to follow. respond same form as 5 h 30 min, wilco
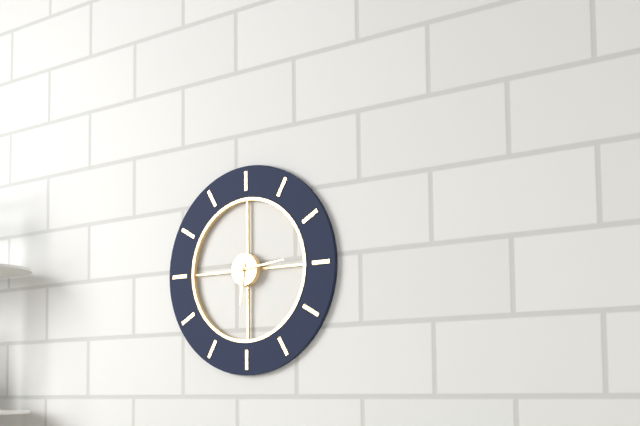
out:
6 h 14 min
